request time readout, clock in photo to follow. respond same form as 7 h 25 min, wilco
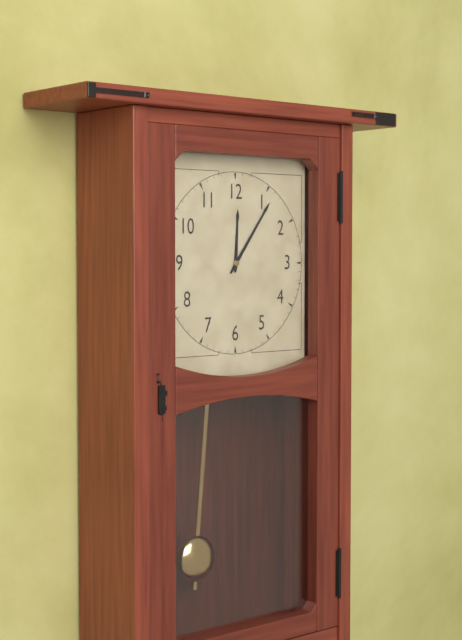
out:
12 h 06 min
